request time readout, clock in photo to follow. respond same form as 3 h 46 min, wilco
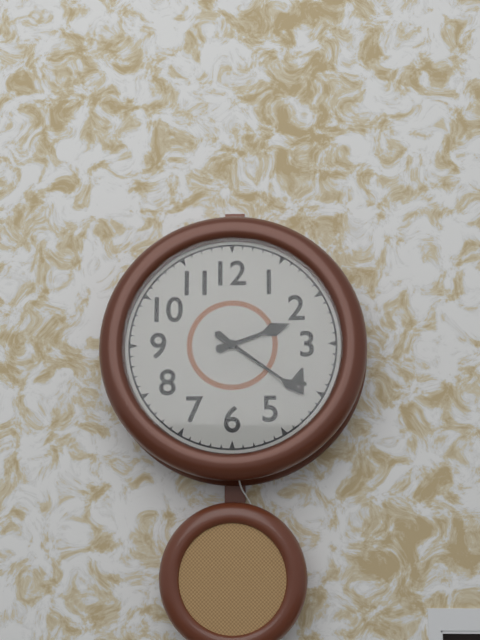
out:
2 h 21 min
